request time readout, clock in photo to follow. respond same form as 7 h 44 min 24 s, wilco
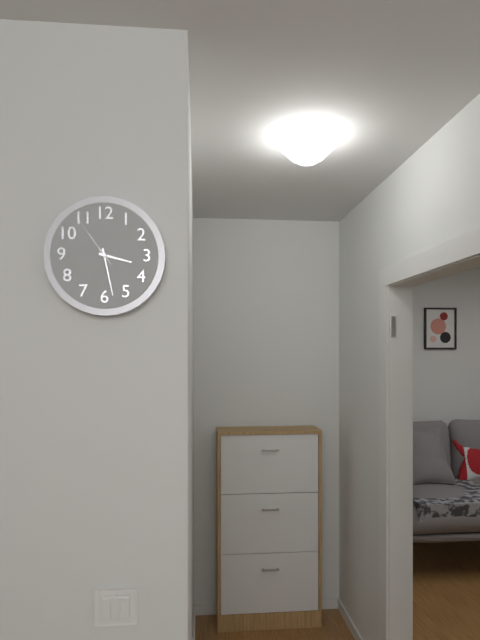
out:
3 h 28 min 54 s
